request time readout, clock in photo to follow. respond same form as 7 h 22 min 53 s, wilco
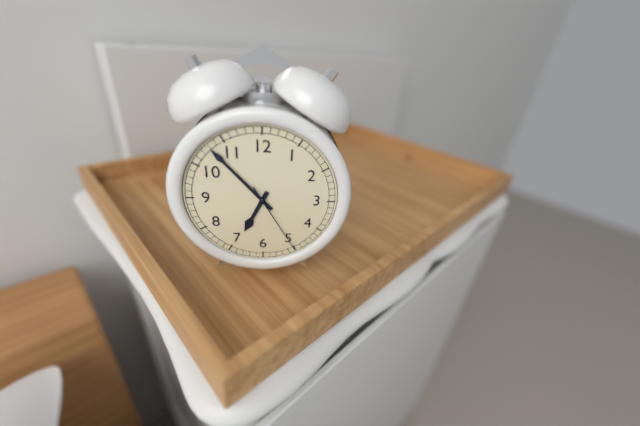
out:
6 h 53 min 25 s
